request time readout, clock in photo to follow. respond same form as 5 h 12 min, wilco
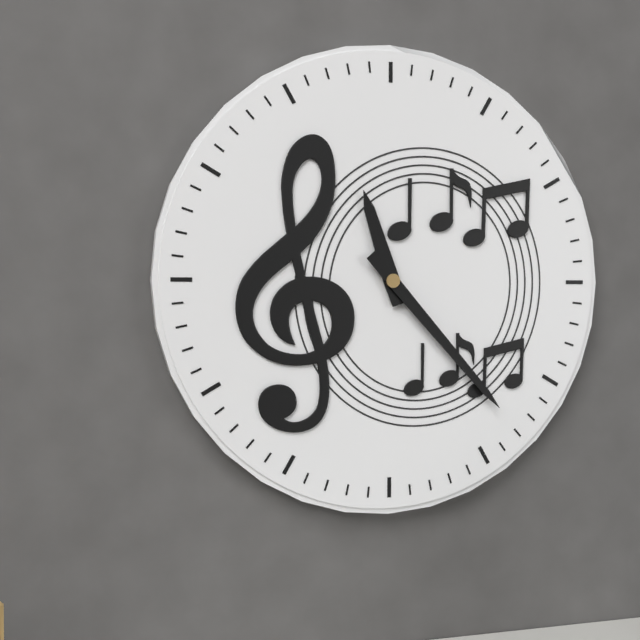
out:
11 h 23 min
